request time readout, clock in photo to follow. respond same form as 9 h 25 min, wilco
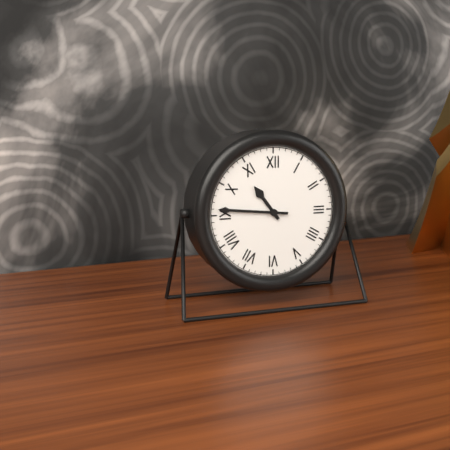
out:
10 h 46 min
